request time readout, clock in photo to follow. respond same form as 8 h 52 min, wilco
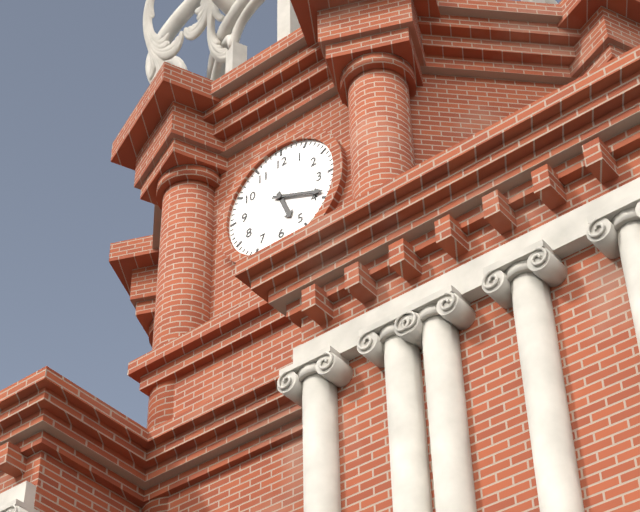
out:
5 h 19 min
